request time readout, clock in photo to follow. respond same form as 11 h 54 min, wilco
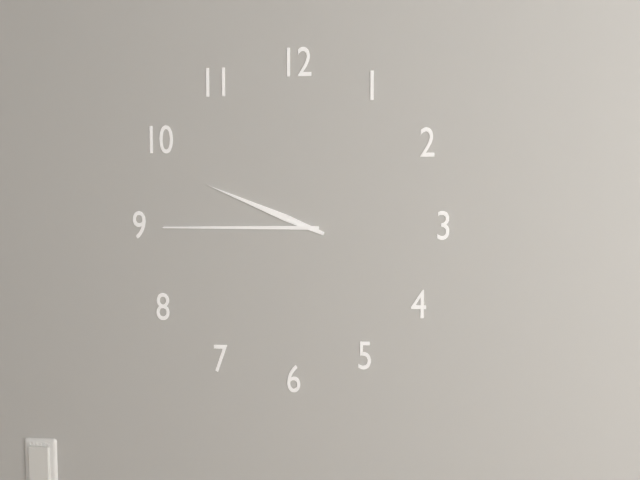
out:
9 h 45 min
